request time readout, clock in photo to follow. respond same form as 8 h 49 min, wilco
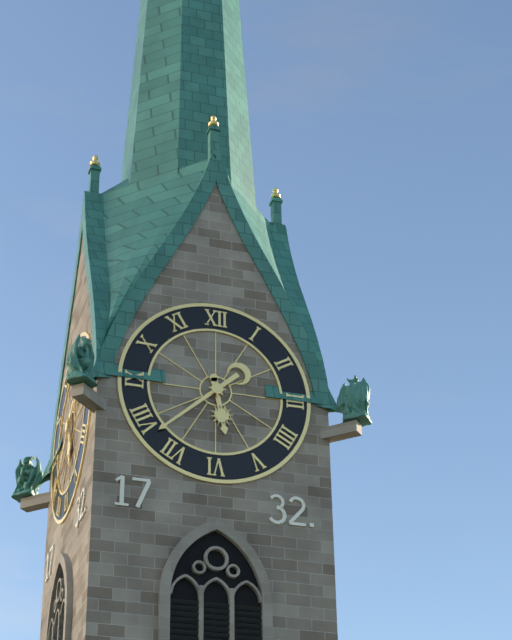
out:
5 h 38 min
